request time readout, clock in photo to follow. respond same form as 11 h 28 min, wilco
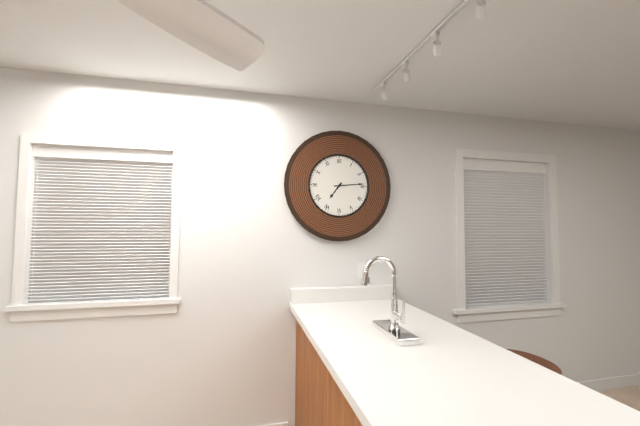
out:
7 h 14 min
